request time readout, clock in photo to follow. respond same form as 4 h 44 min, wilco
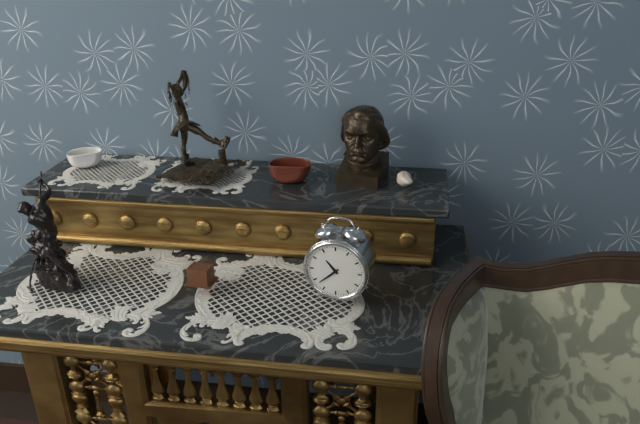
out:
10 h 38 min
